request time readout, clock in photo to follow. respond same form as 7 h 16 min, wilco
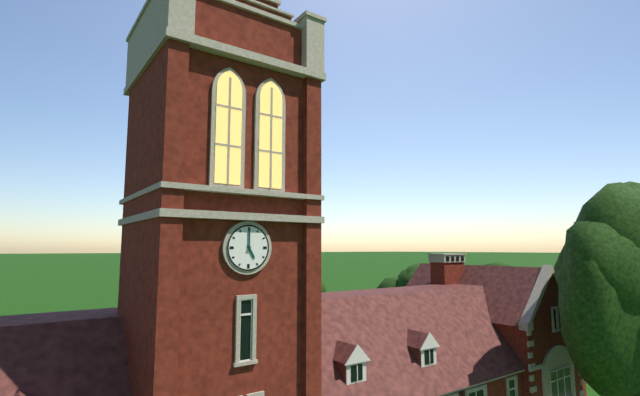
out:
5 h 00 min
